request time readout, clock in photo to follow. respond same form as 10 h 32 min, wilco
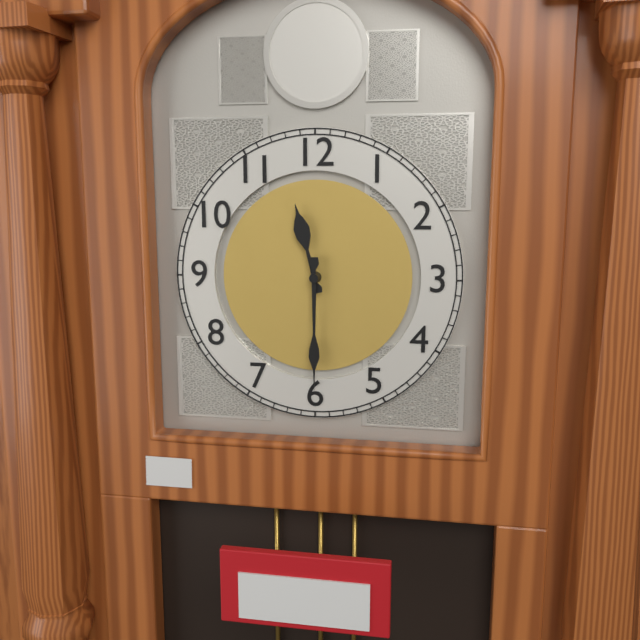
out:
11 h 30 min
